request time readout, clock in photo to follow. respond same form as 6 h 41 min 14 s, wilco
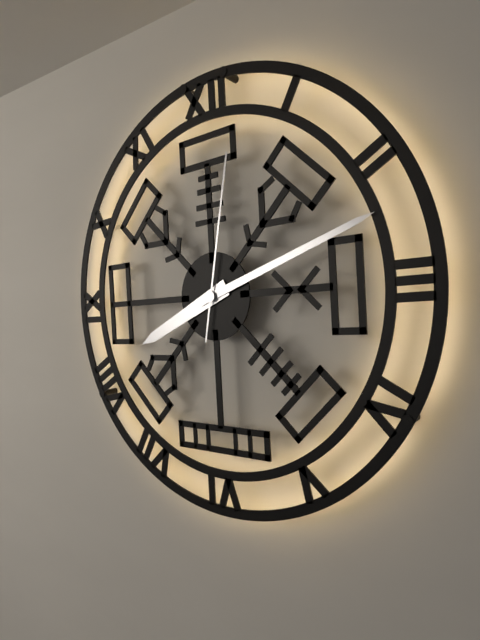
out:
8 h 12 min 02 s
